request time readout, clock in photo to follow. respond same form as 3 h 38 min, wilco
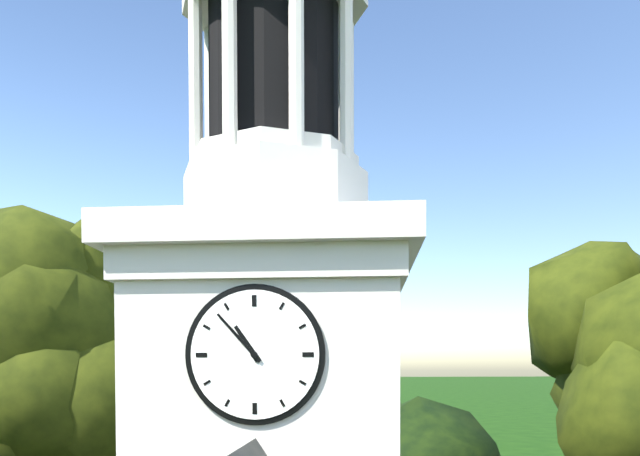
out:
10 h 53 min
